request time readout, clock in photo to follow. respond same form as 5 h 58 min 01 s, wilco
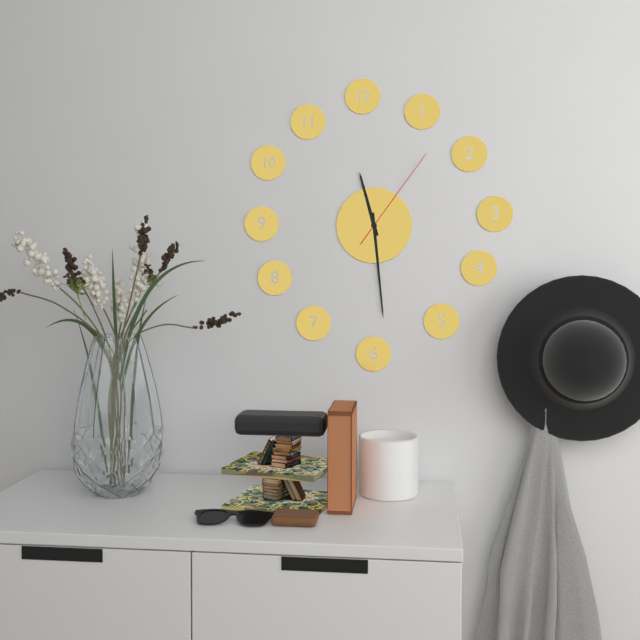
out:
11 h 29 min 06 s
